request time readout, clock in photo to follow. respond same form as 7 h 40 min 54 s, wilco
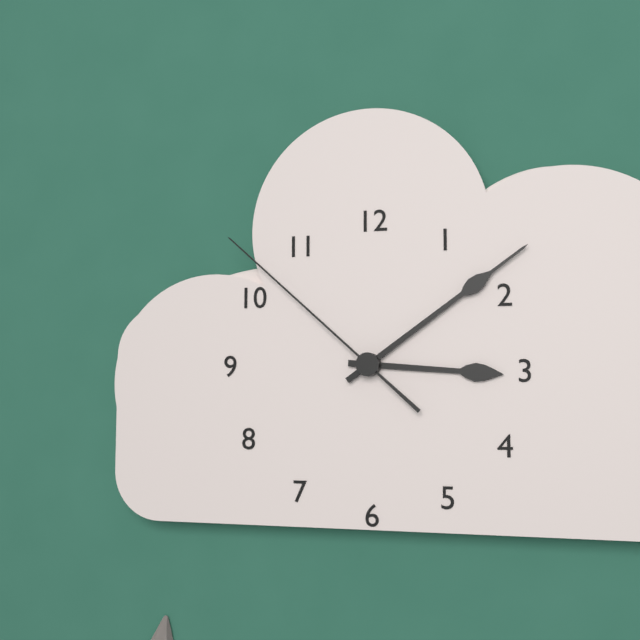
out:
3 h 09 min 52 s
